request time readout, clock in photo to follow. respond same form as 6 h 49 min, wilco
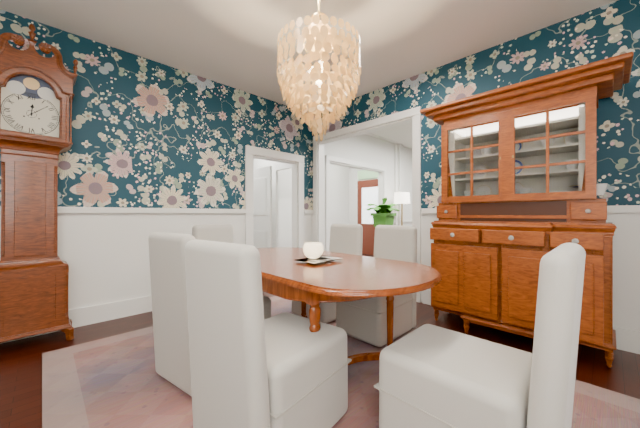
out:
12 h 08 min
